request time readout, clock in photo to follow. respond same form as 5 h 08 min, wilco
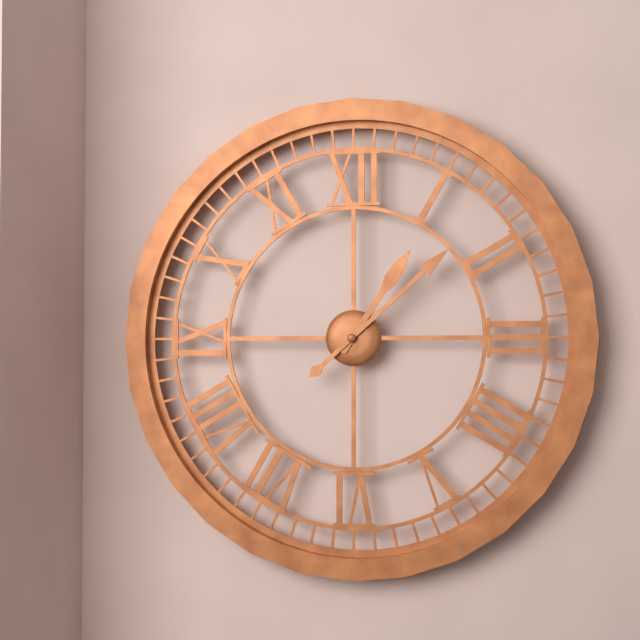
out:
1 h 08 min
